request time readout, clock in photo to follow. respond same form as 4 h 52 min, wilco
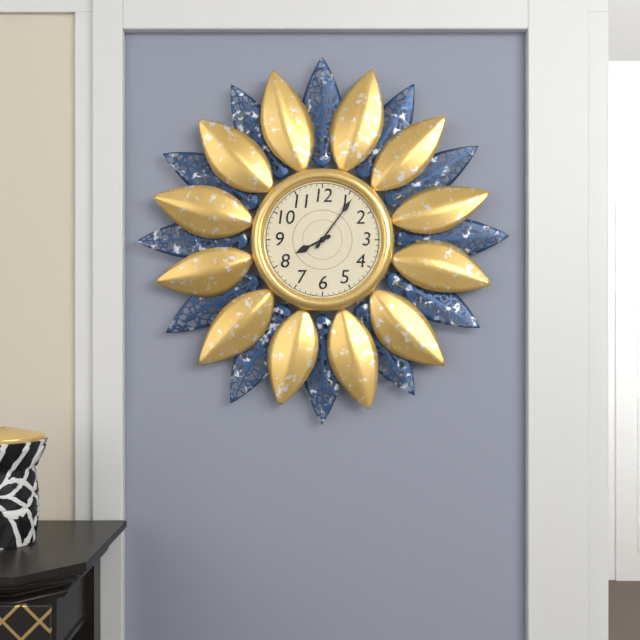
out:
8 h 06 min
